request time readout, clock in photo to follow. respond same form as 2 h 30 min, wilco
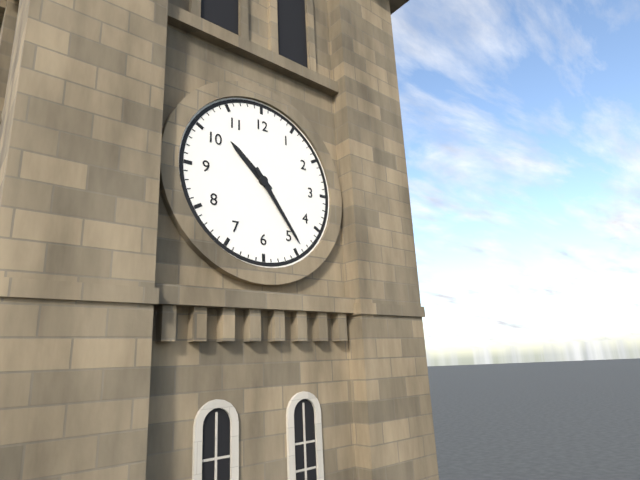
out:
10 h 24 min
